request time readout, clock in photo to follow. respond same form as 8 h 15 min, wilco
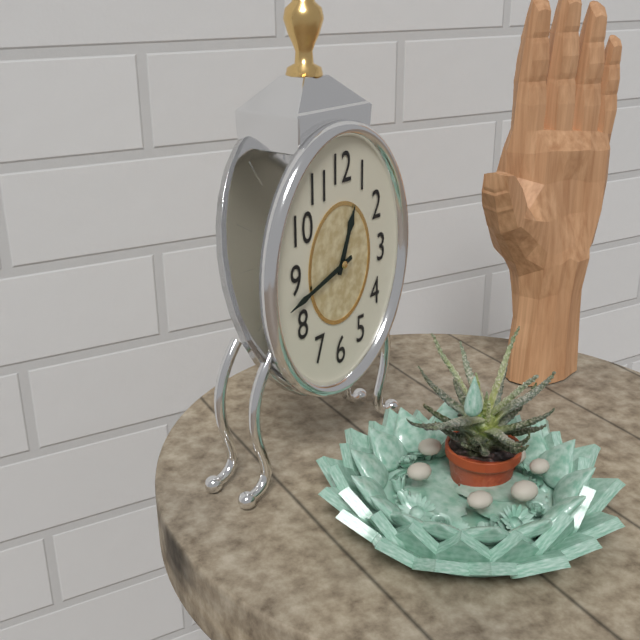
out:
12 h 42 min
